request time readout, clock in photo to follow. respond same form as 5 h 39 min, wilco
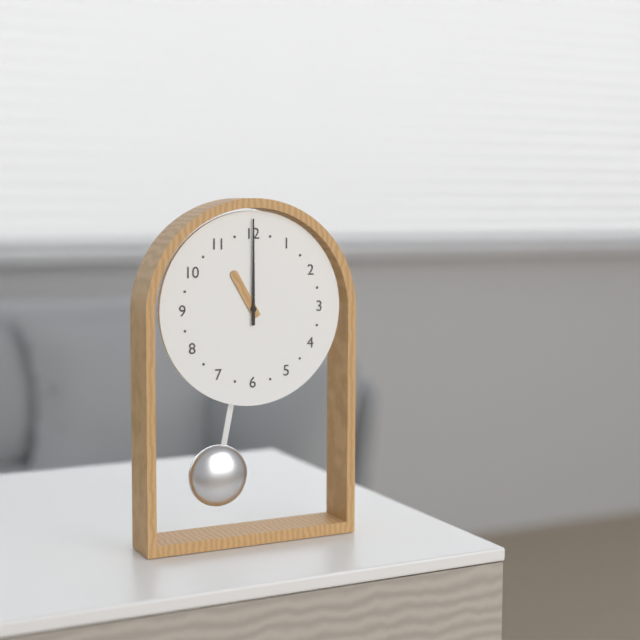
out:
11 h 00 min
